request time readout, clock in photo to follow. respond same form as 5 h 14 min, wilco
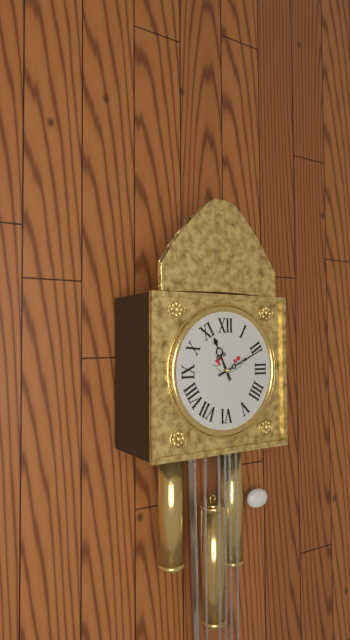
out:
11 h 11 min
